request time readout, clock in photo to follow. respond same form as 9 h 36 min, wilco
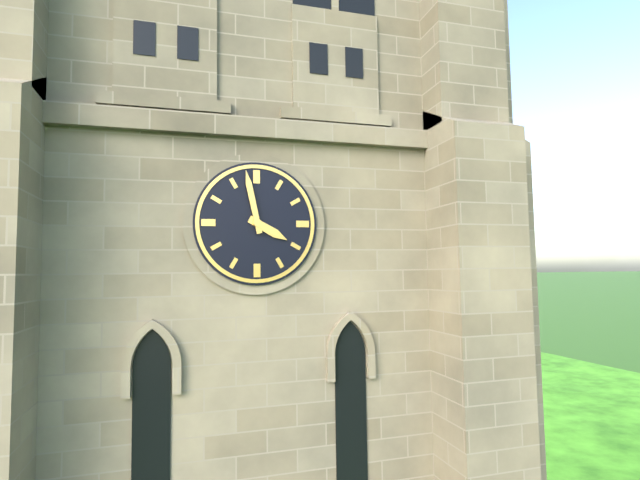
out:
3 h 58 min
